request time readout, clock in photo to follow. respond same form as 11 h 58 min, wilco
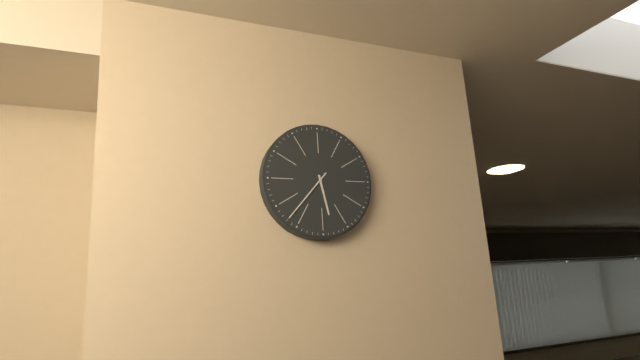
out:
5 h 37 min
